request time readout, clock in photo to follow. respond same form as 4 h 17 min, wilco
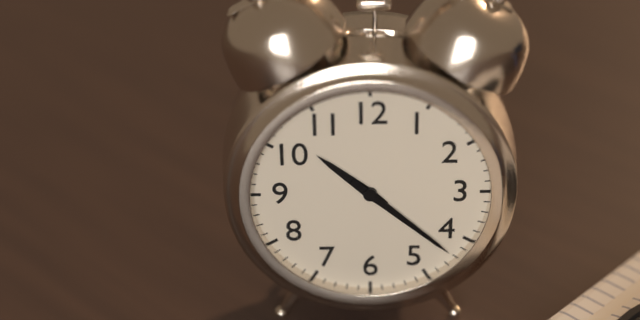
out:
10 h 22 min
